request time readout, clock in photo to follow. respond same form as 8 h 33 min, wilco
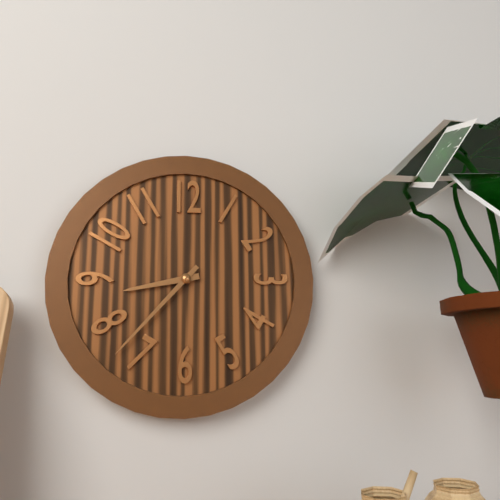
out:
8 h 37 min
